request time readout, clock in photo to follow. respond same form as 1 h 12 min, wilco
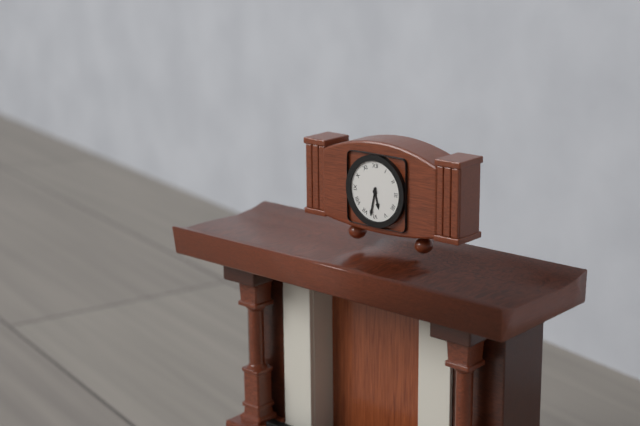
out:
5 h 32 min
